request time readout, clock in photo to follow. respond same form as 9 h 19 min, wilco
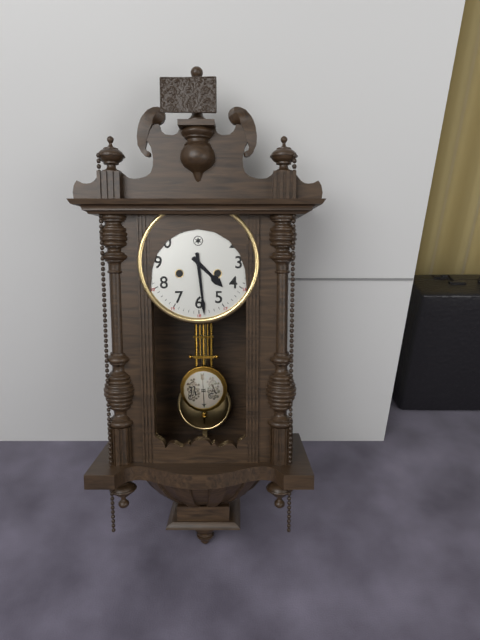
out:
4 h 29 min
